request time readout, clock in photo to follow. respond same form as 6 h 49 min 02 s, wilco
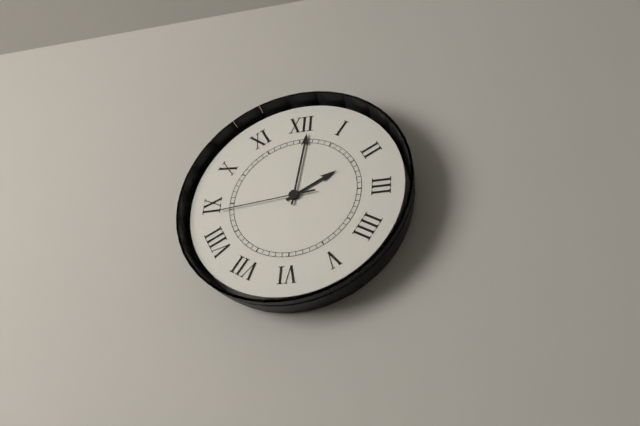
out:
2 h 01 min 44 s
